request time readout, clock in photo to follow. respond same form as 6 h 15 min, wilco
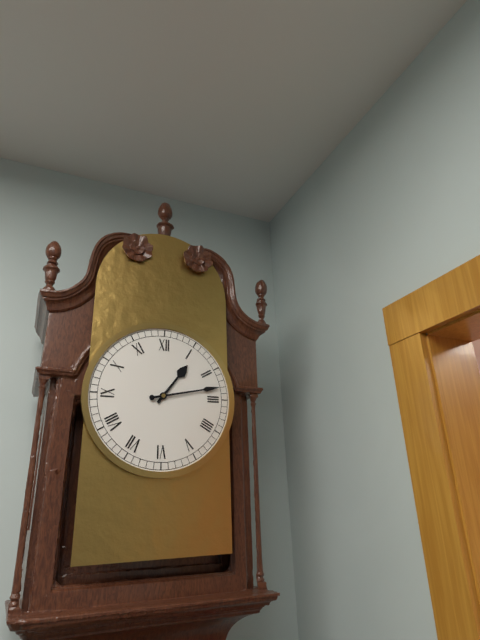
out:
1 h 13 min
